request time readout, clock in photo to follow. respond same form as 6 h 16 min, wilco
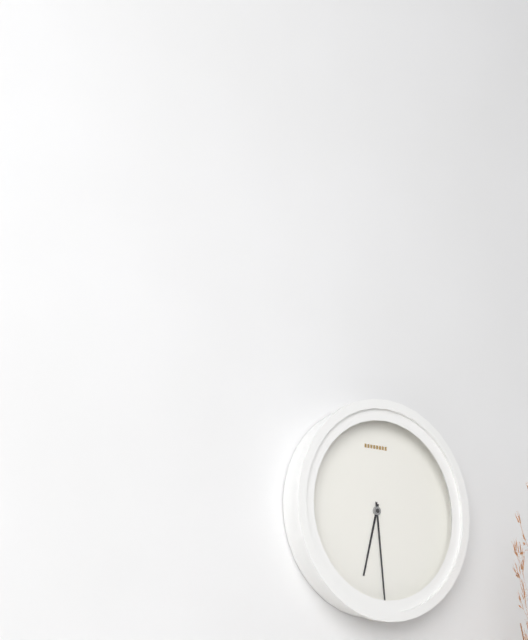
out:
6 h 29 min
